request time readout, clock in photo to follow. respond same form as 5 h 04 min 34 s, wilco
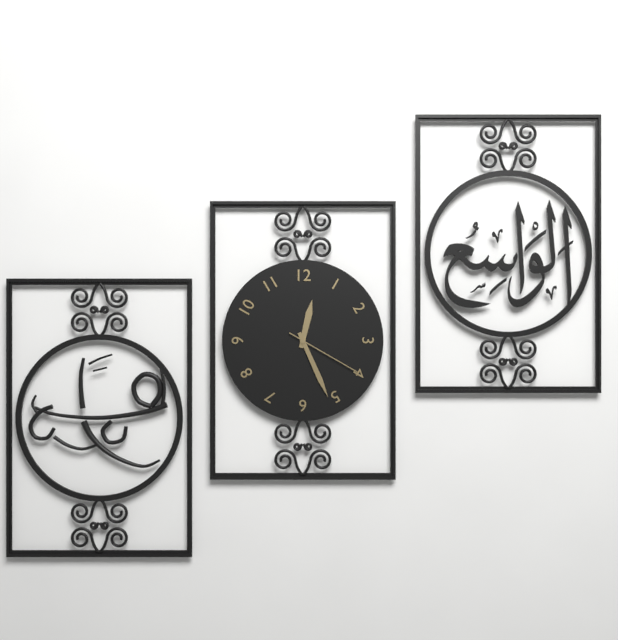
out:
12 h 26 min 20 s
